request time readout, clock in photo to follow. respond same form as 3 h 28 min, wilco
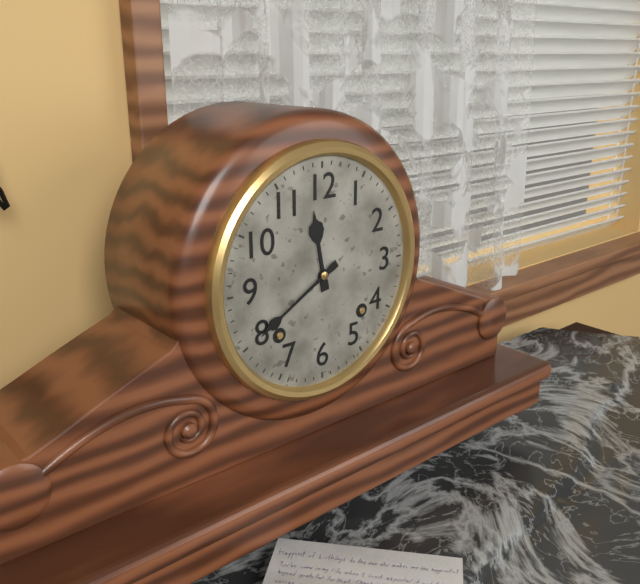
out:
11 h 40 min
